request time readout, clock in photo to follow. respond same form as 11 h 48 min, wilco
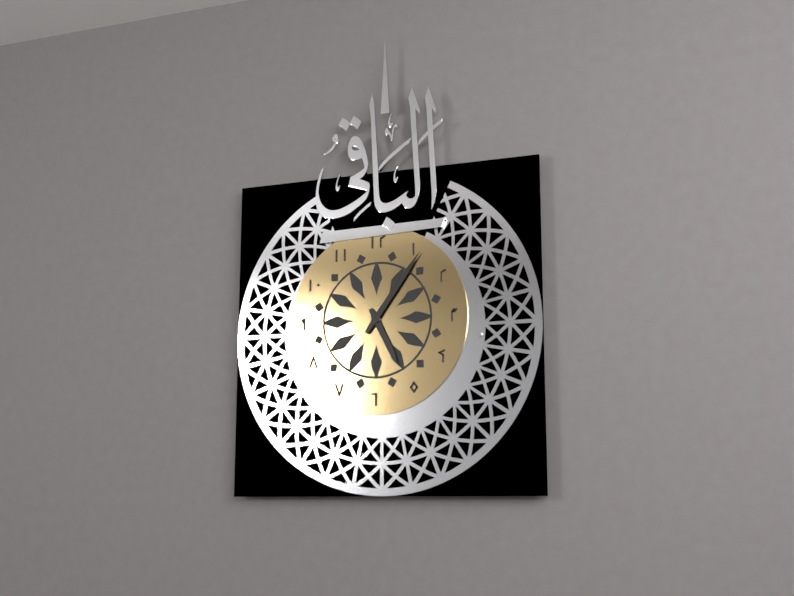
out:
5 h 06 min
